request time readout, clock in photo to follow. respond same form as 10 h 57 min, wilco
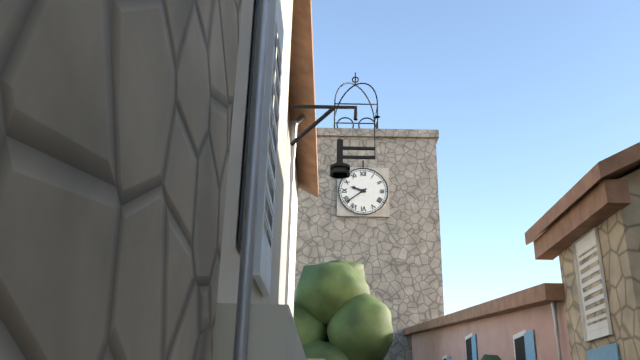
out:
9 h 39 min
